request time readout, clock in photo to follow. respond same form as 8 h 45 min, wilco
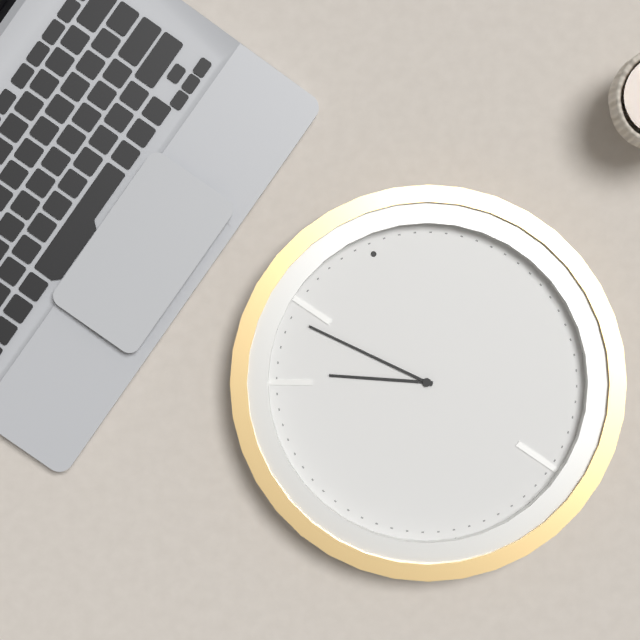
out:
9 h 53 min
